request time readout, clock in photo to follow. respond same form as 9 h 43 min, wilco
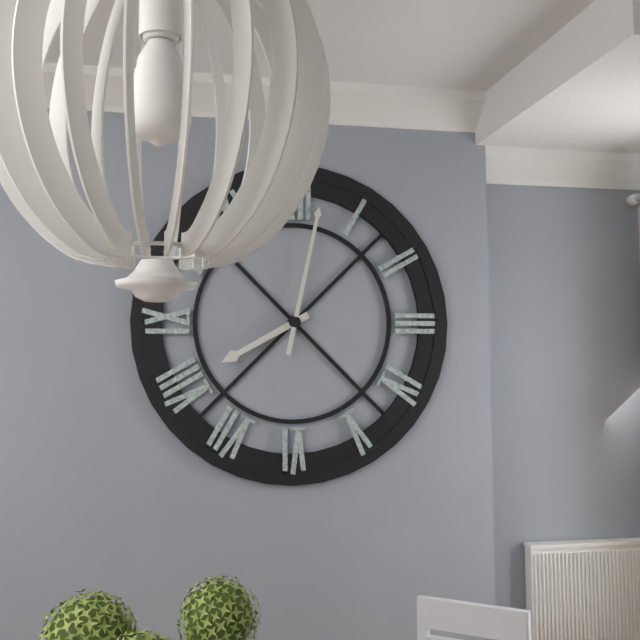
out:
8 h 02 min
